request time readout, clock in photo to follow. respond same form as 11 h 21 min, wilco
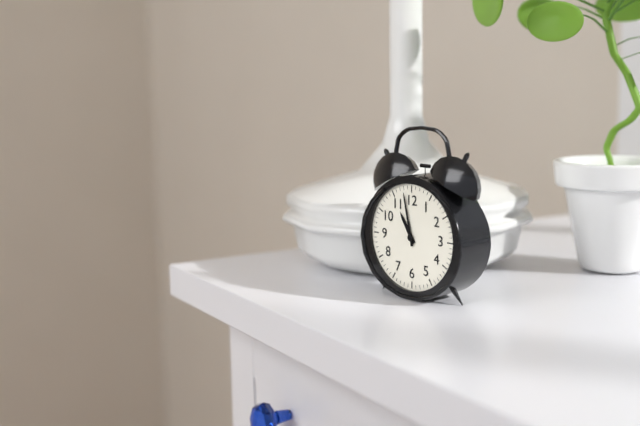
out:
10 h 58 min
